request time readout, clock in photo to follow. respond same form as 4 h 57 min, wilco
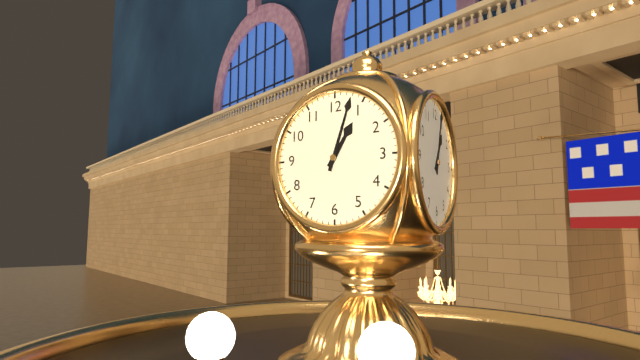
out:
1 h 03 min
